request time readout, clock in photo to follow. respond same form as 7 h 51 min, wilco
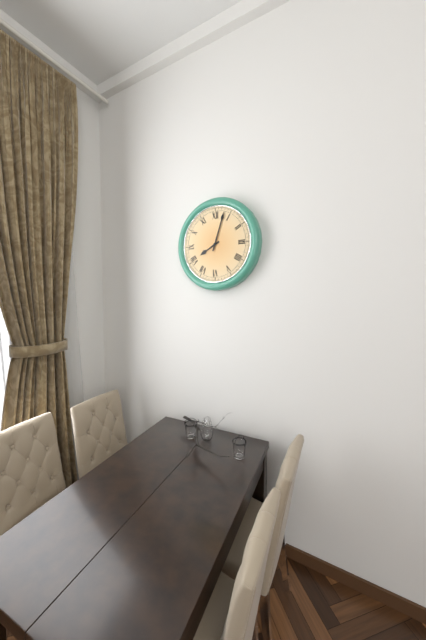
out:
8 h 03 min
